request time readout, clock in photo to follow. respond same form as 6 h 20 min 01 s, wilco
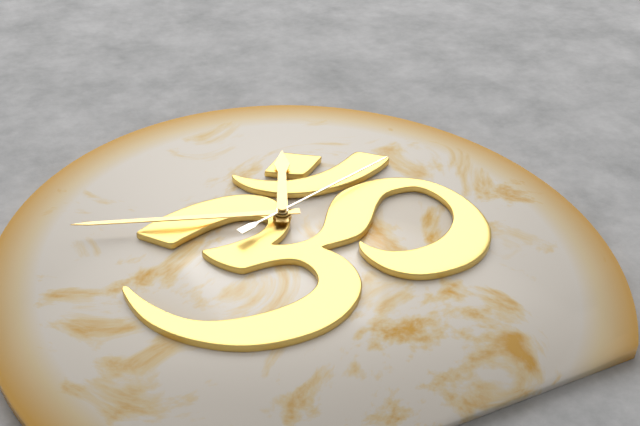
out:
12 h 48 min 12 s
